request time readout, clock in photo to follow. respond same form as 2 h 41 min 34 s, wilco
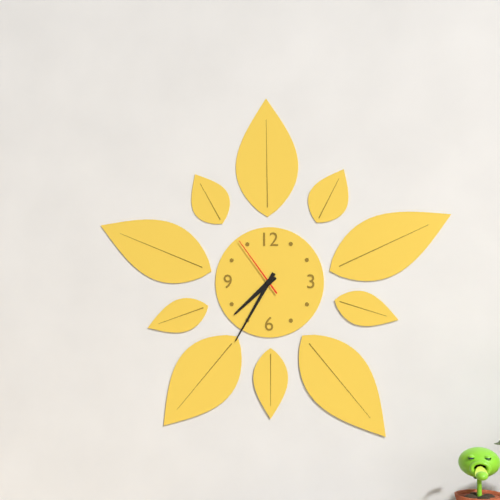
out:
7 h 35 min 54 s
